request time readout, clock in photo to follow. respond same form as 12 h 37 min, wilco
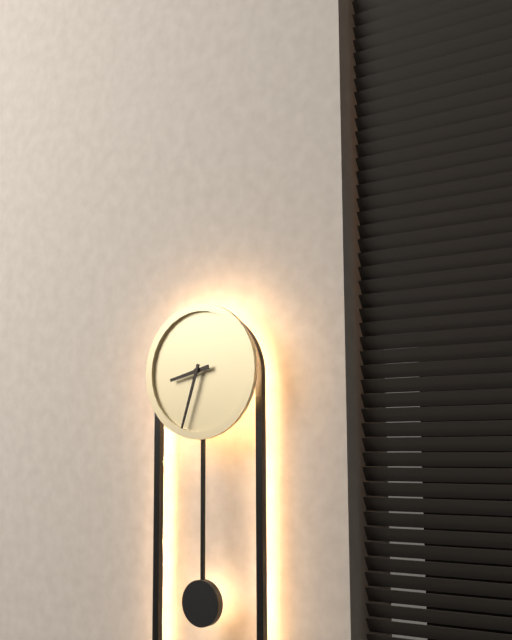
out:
8 h 33 min
